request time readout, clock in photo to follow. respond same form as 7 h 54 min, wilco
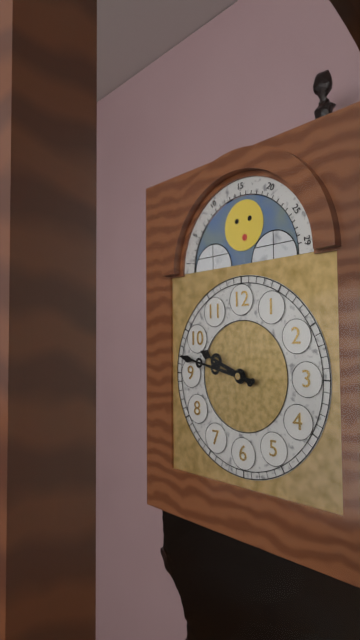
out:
9 h 47 min
